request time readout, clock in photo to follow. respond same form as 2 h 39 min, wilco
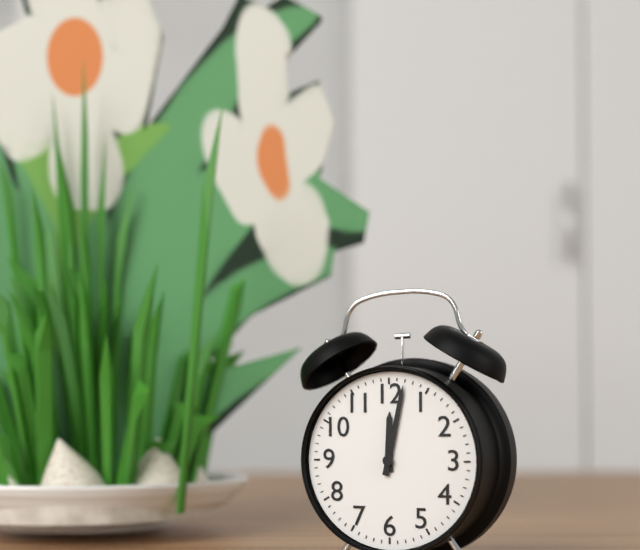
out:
12 h 02 min
